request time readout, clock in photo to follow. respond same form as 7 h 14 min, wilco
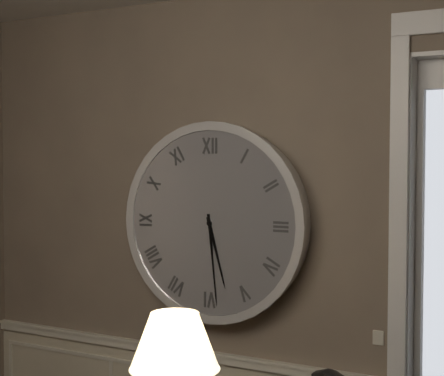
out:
5 h 29 min
